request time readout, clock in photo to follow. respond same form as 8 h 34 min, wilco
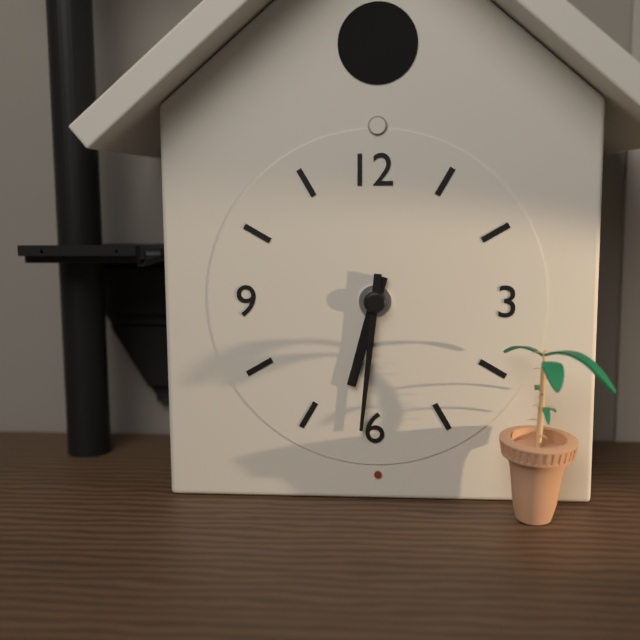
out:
6 h 31 min
